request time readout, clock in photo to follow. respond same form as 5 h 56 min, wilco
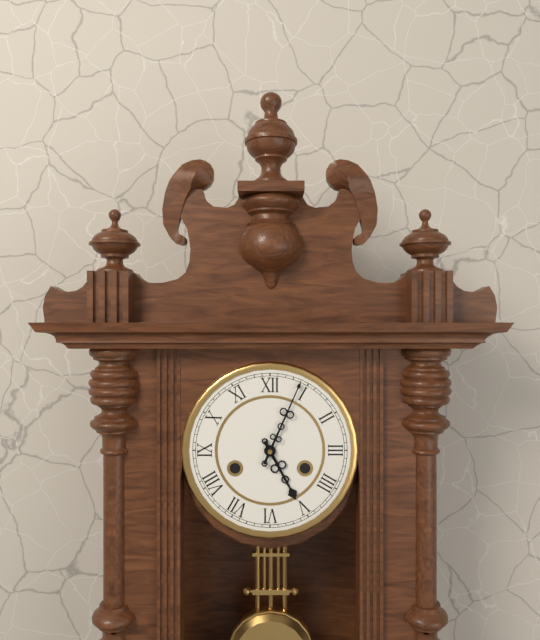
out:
5 h 04 min
